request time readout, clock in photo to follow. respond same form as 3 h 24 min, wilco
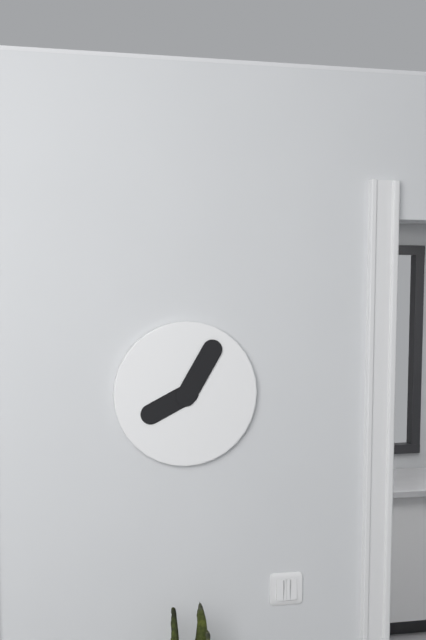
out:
8 h 05 min
